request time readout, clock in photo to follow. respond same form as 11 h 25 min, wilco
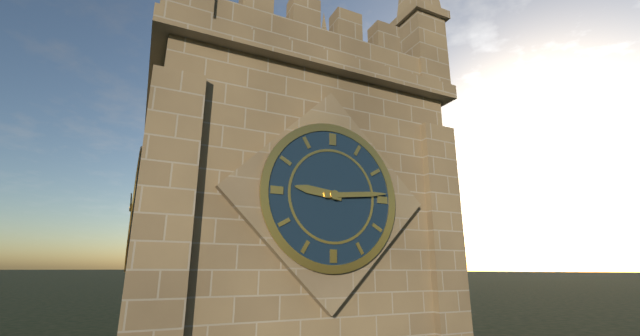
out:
9 h 14 min
